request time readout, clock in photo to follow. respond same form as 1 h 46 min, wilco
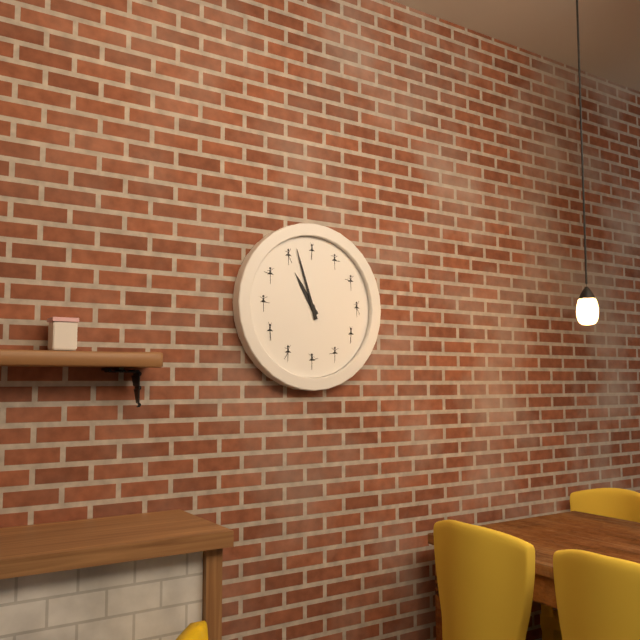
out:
10 h 57 min
